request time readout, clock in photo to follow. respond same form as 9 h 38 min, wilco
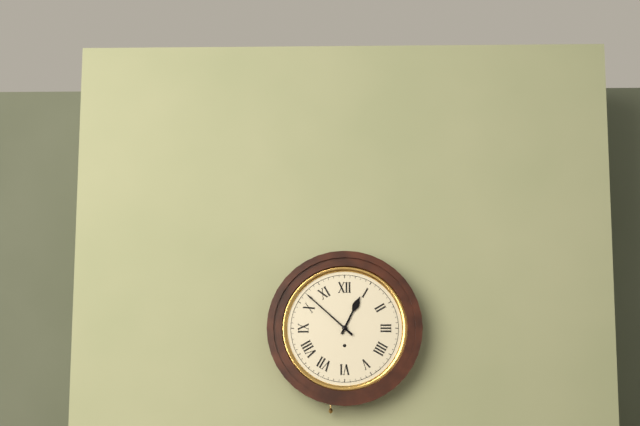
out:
12 h 52 min
